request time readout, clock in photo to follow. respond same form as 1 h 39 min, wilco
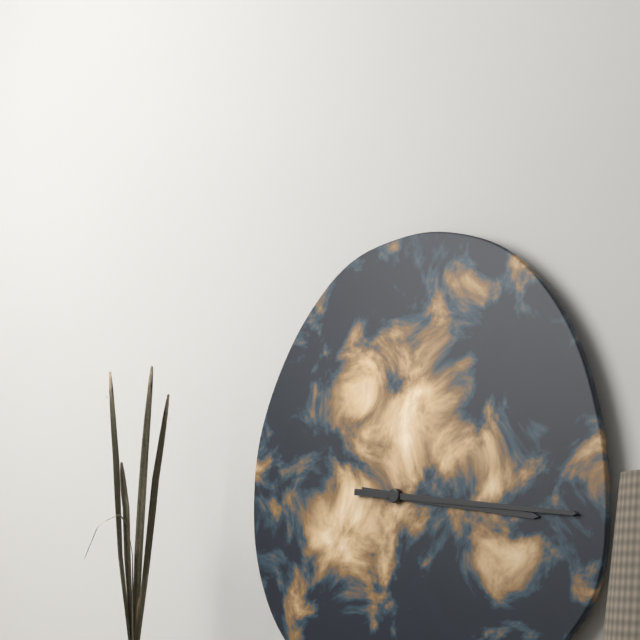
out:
3 h 16 min
